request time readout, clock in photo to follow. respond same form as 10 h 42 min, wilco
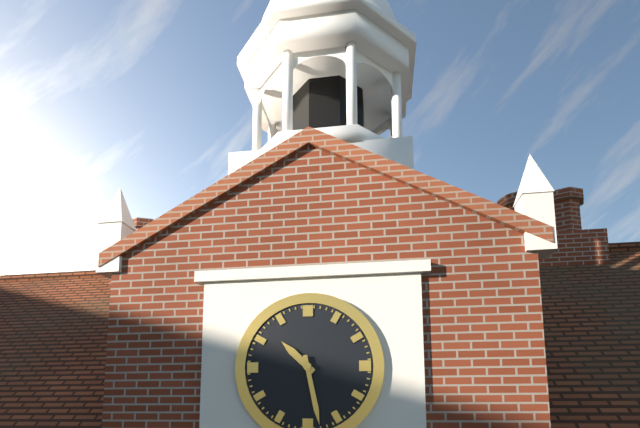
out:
10 h 28 min
